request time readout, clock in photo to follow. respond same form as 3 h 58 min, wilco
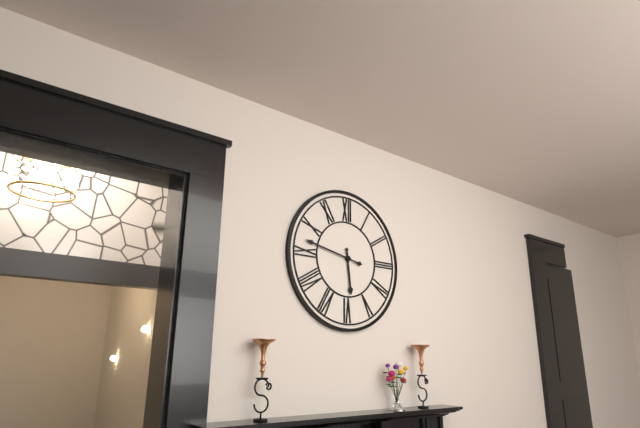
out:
5 h 47 min
